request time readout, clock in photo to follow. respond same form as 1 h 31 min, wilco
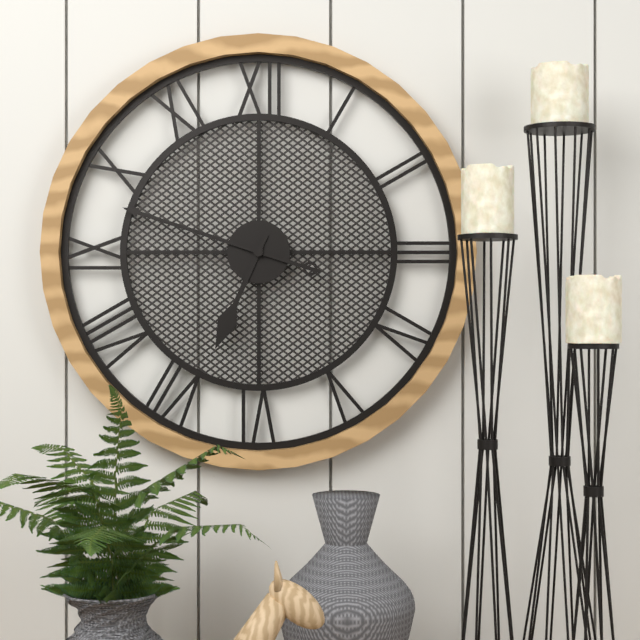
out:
6 h 48 min
